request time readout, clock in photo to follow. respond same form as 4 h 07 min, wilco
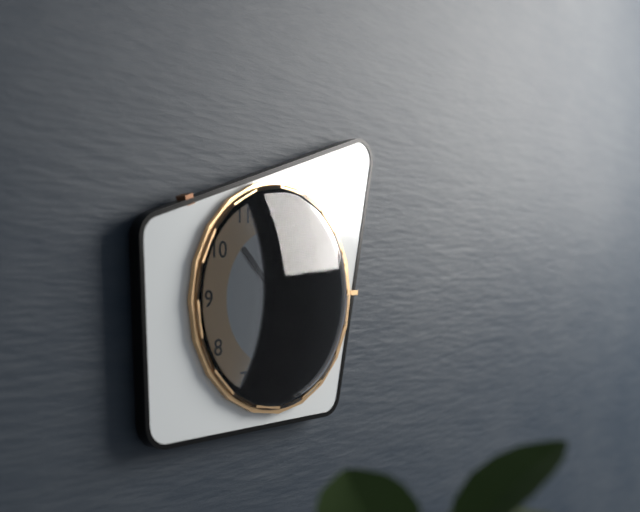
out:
10 h 30 min
